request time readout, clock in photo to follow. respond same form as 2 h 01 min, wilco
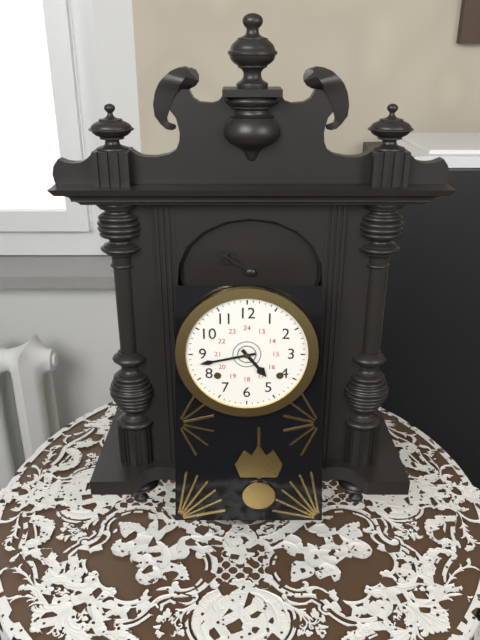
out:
4 h 43 min
